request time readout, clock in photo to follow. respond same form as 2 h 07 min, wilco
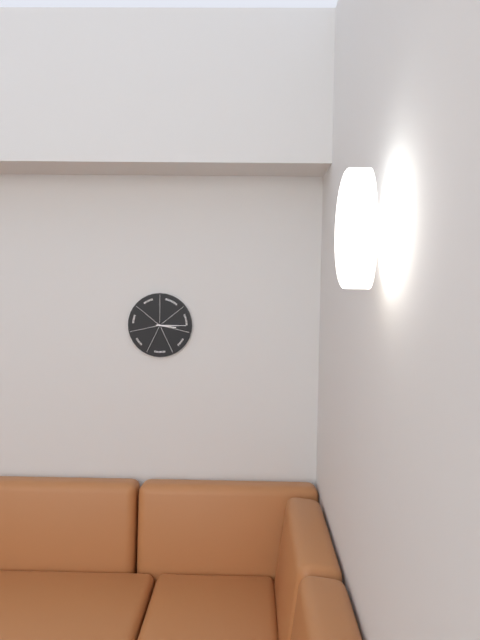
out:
3 h 15 min
